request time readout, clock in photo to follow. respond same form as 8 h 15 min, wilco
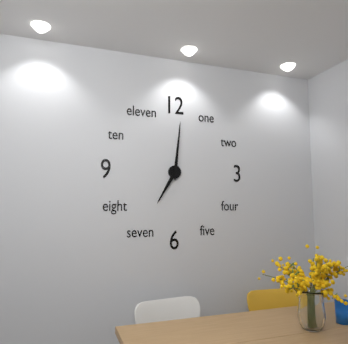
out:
7 h 01 min
